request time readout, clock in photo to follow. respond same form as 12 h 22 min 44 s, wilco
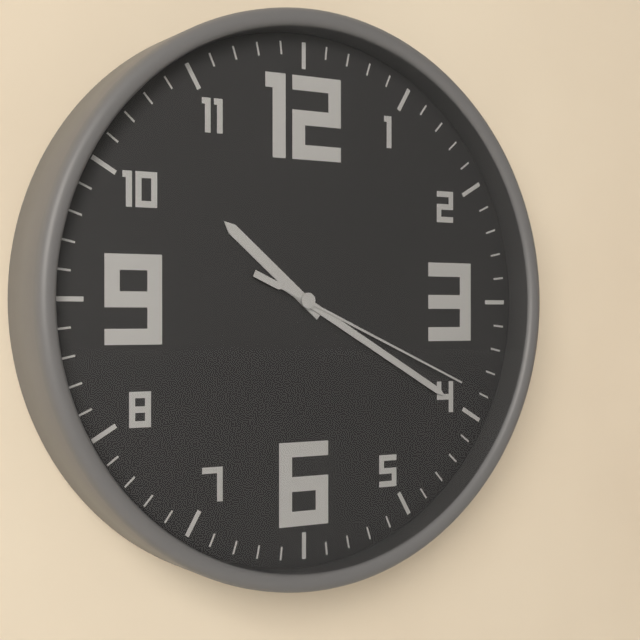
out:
10 h 20 min 19 s
